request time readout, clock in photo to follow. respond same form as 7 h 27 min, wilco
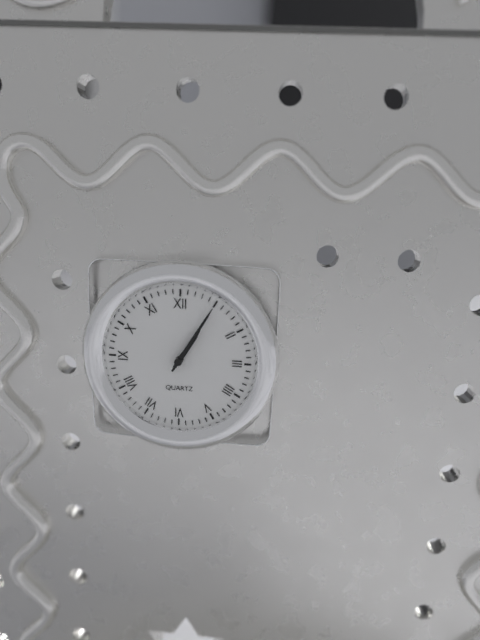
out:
1 h 05 min
